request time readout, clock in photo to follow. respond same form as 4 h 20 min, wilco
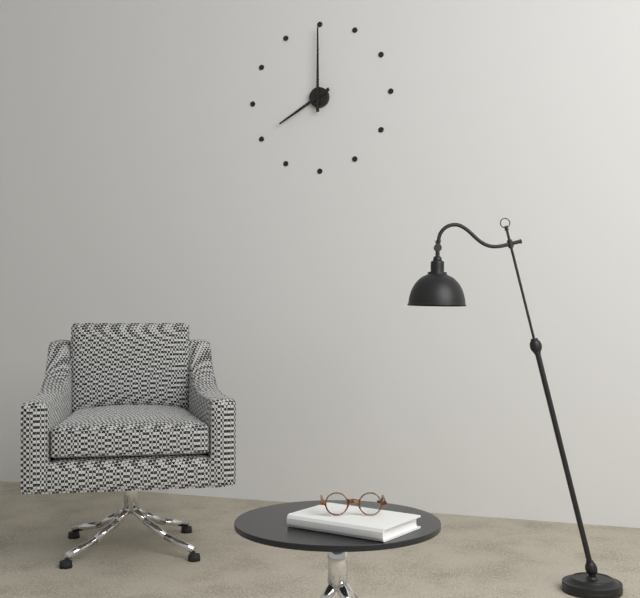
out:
8 h 00 min
